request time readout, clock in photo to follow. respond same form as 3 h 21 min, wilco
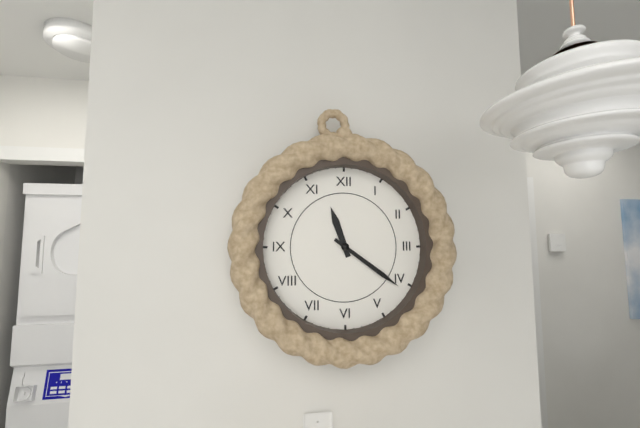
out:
11 h 21 min
